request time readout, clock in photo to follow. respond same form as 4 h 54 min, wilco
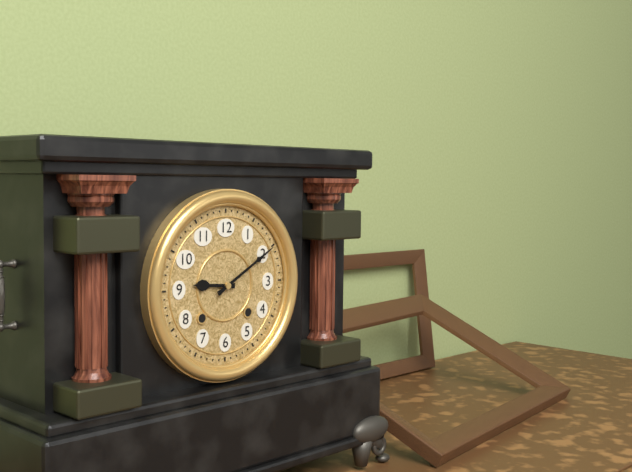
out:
9 h 10 min
